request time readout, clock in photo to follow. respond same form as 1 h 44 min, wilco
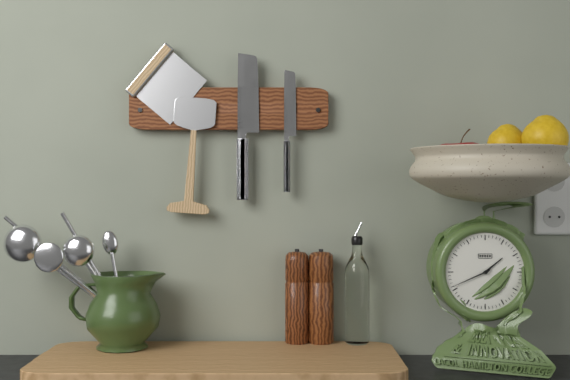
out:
1 h 41 min
